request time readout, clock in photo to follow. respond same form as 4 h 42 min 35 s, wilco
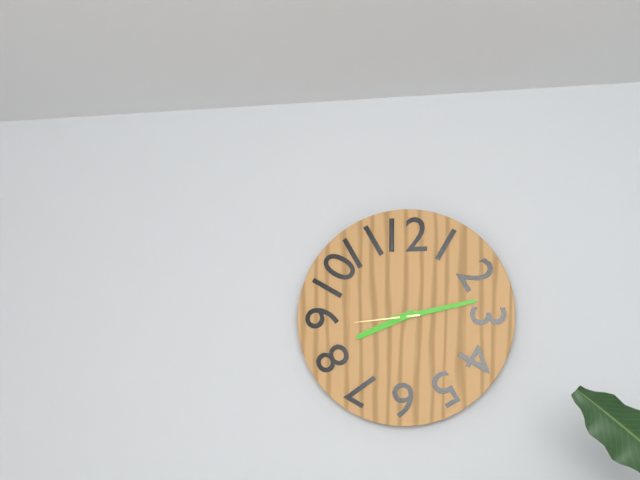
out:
8 h 13 min 44 s
